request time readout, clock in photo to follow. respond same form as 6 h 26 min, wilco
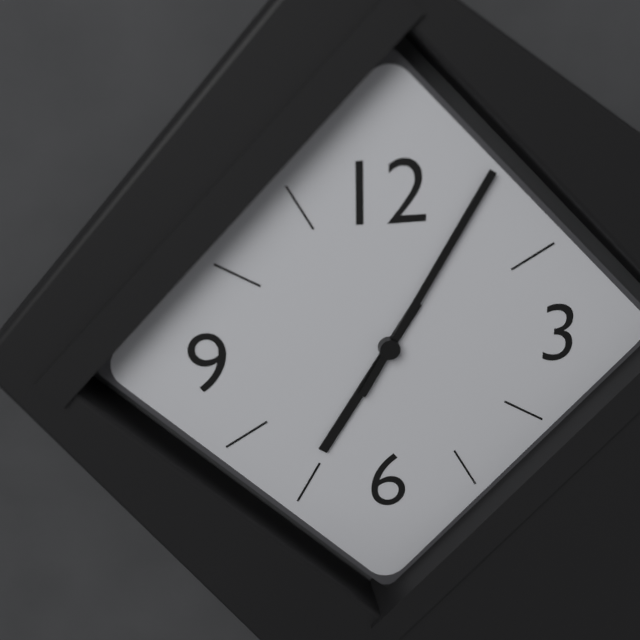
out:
7 h 05 min
